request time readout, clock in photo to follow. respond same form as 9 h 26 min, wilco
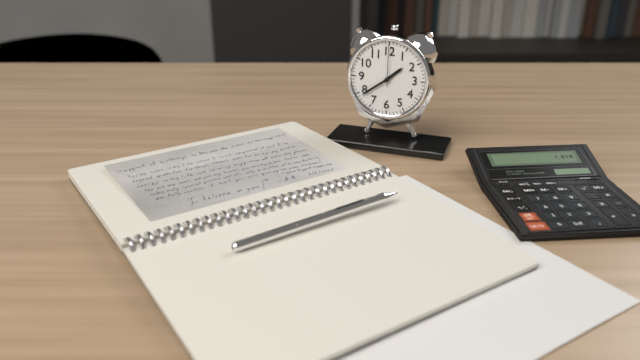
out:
1 h 39 min
